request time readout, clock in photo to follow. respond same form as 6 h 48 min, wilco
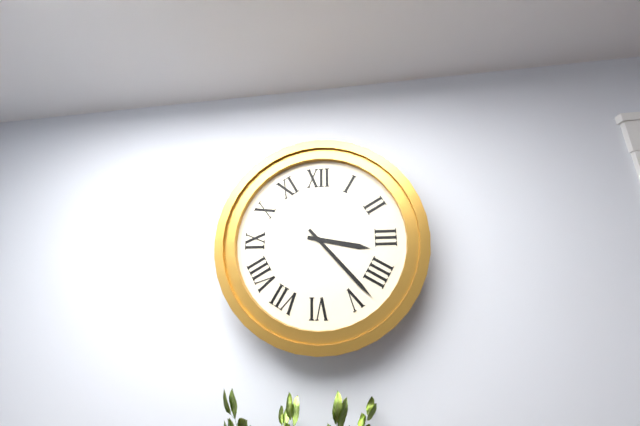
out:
3 h 23 min
